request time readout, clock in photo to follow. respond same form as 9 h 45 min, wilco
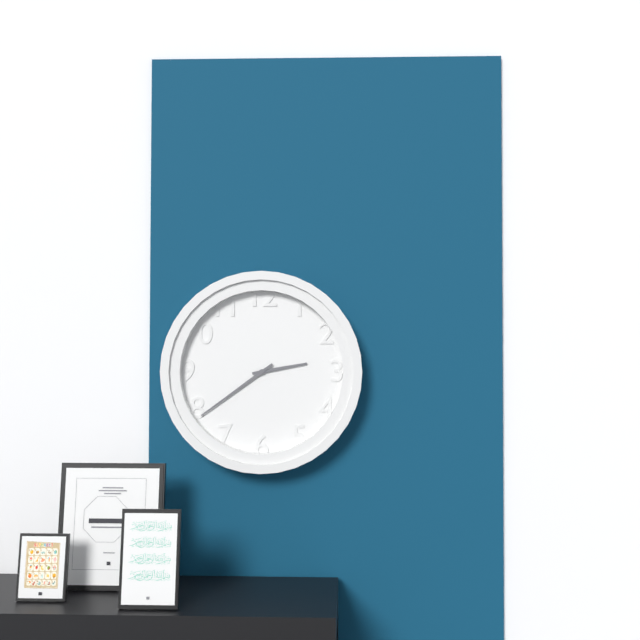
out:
2 h 39 min
